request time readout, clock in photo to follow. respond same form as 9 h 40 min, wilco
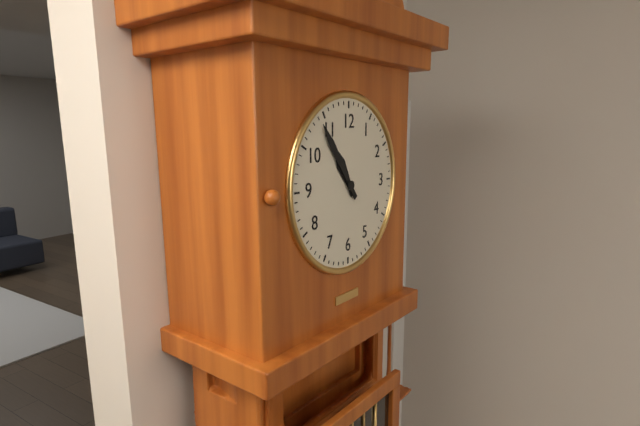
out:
10 h 54 min
